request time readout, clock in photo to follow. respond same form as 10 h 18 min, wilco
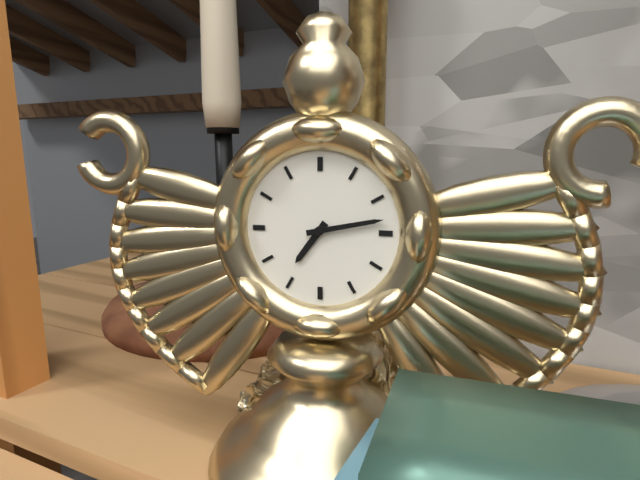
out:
7 h 13 min
